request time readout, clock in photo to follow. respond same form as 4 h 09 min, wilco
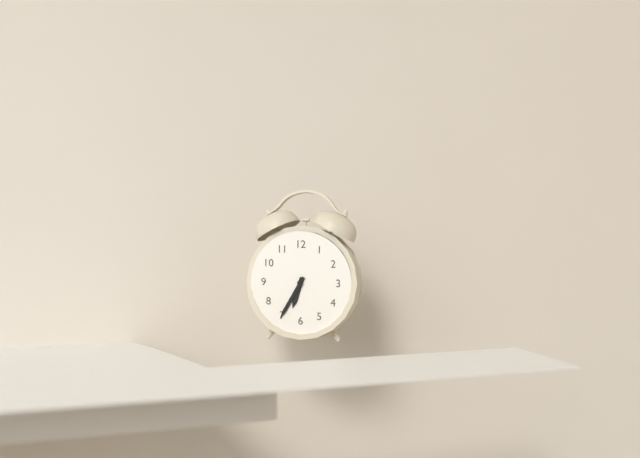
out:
6 h 35 min
